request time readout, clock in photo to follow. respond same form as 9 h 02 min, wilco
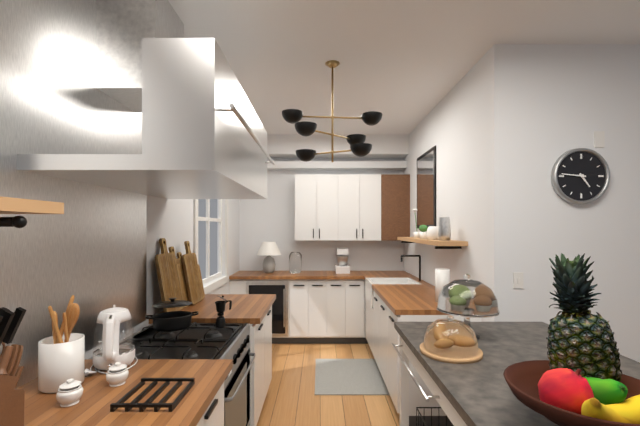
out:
4 h 46 min
